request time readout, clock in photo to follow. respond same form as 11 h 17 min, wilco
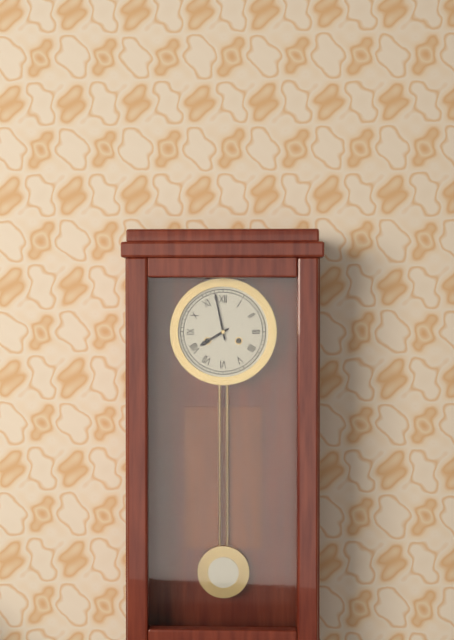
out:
7 h 58 min
